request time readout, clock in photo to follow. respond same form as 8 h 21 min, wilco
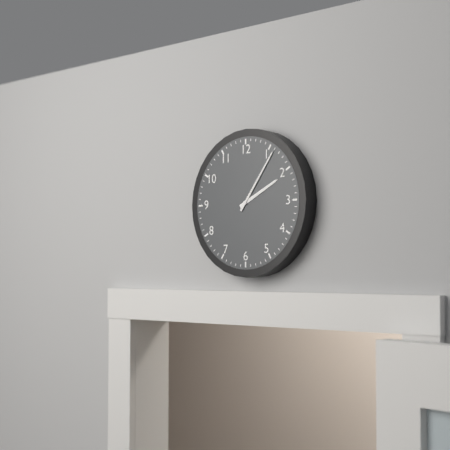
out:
2 h 06 min
